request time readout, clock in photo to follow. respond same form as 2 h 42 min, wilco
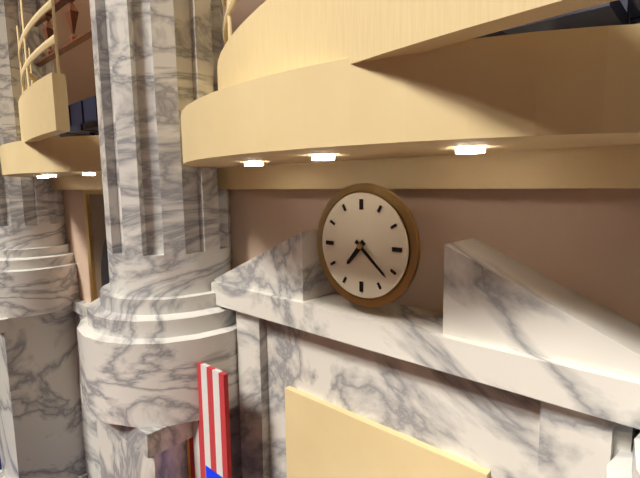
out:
7 h 22 min
